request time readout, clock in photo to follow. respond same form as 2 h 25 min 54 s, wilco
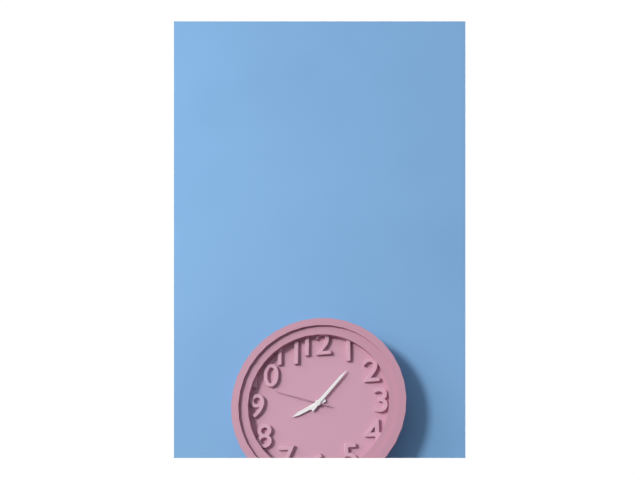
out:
8 h 07 min 48 s
